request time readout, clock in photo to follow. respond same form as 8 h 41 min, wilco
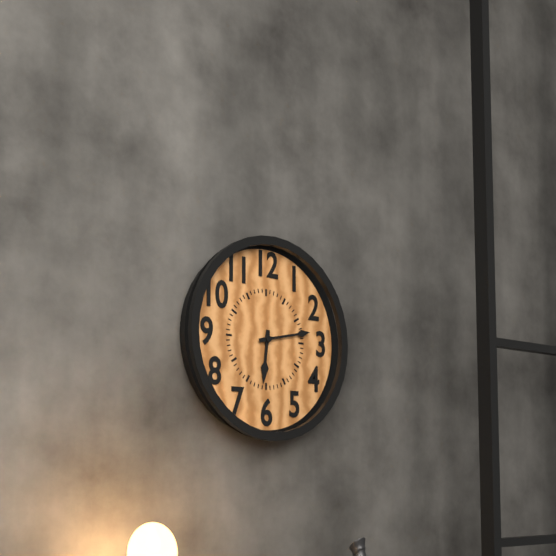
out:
6 h 13 min
